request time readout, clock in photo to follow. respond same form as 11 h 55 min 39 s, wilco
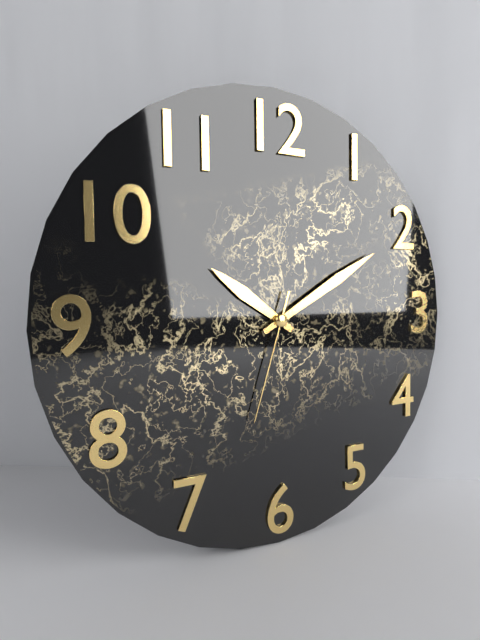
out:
10 h 10 min 33 s
